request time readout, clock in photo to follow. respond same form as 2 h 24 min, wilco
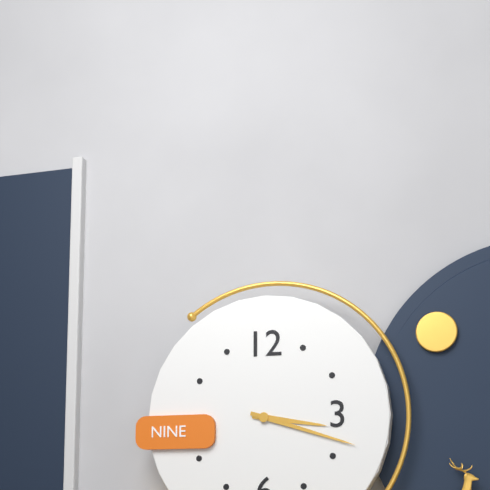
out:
3 h 18 min
